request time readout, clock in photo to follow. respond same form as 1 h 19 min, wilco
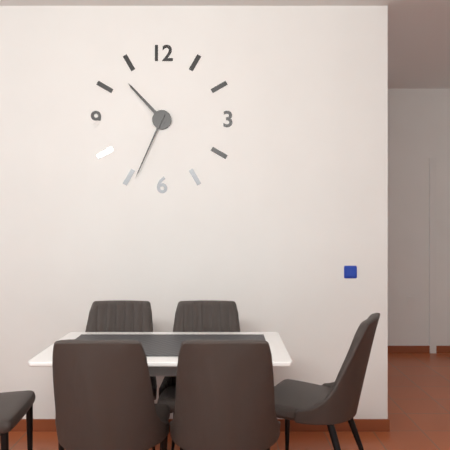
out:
10 h 34 min
